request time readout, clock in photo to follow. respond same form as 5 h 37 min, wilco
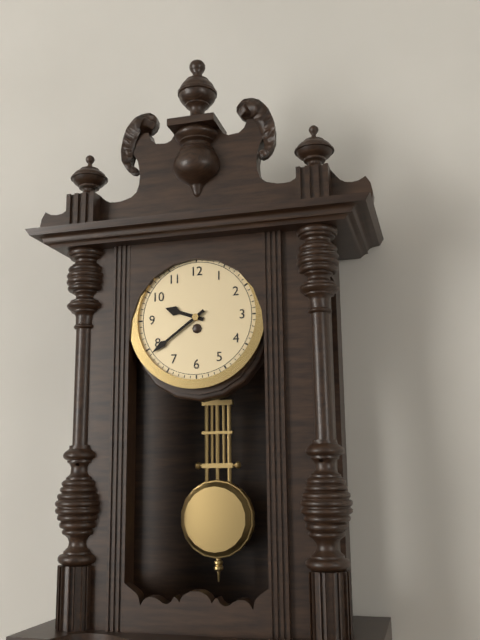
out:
9 h 39 min
